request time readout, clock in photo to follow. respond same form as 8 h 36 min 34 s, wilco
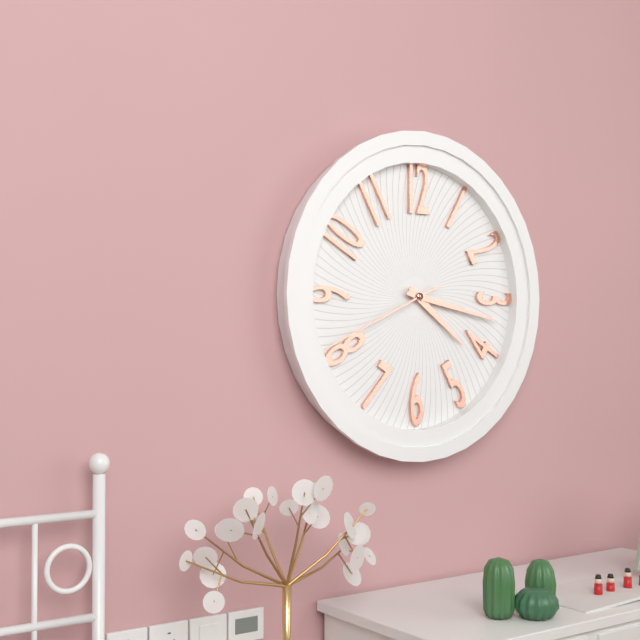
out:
4 h 17 min 41 s
